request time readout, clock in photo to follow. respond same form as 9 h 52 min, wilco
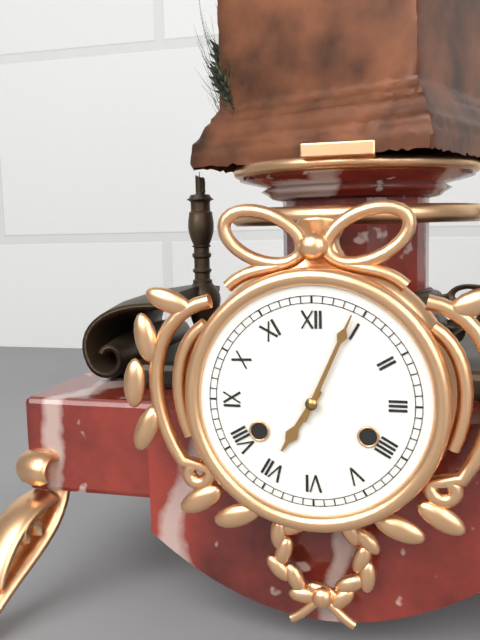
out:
7 h 04 min
